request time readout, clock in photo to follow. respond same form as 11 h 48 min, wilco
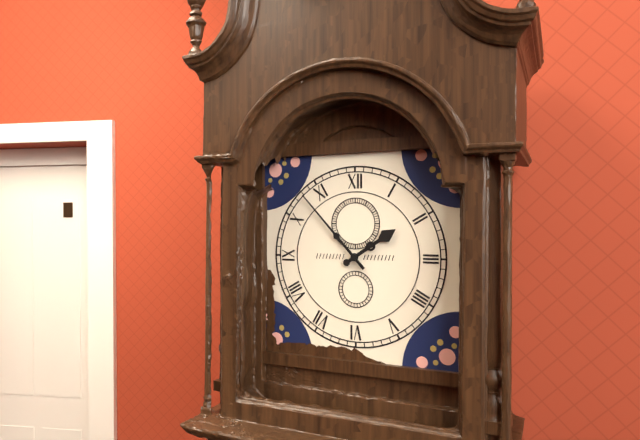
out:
1 h 53 min
